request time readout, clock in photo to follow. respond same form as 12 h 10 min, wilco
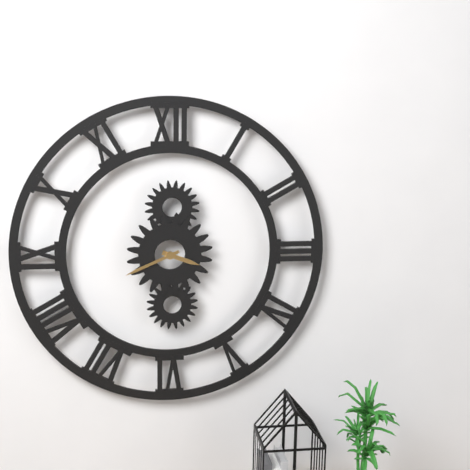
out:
3 h 41 min
